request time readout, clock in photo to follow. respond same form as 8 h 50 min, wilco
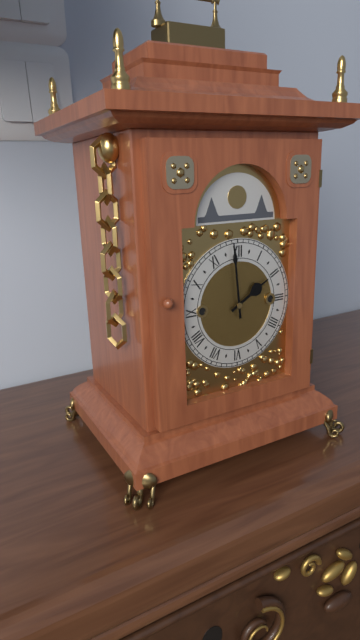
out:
1 h 59 min
